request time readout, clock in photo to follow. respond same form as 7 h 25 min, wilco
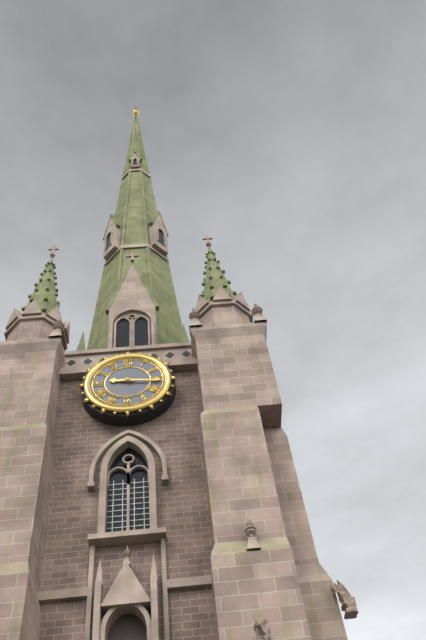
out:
9 h 16 min
